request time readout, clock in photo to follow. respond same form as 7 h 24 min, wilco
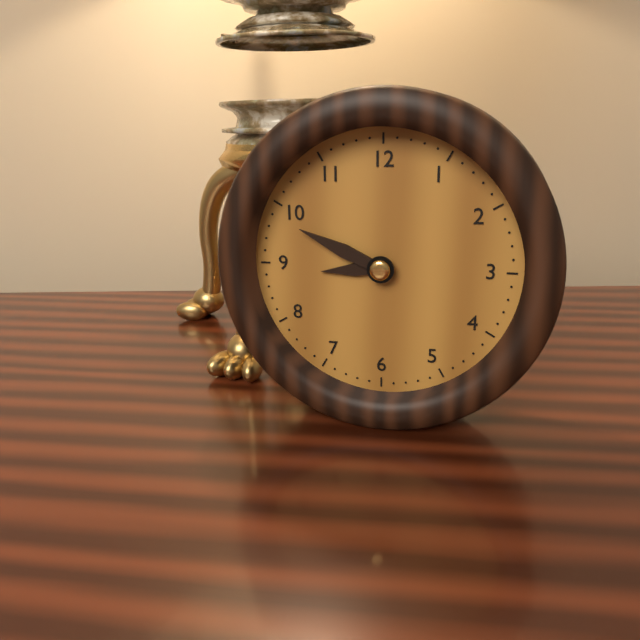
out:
8 h 49 min
